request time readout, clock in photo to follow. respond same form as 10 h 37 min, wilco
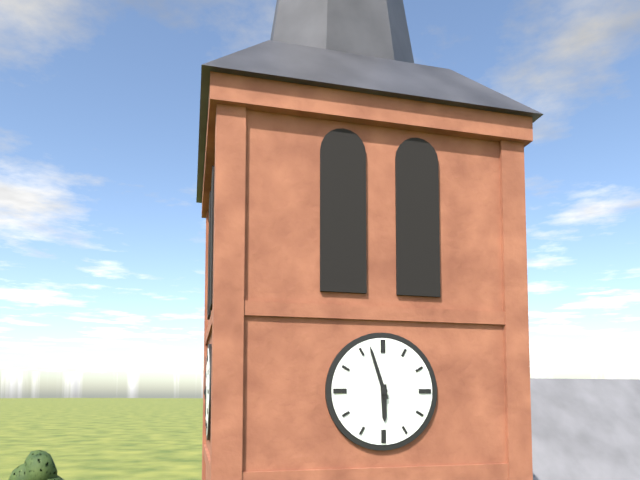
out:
5 h 57 min
